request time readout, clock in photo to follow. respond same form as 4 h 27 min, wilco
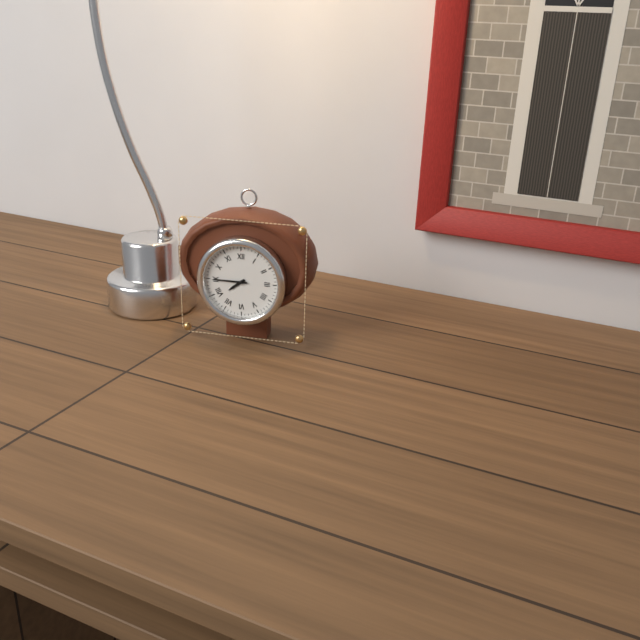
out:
7 h 45 min
